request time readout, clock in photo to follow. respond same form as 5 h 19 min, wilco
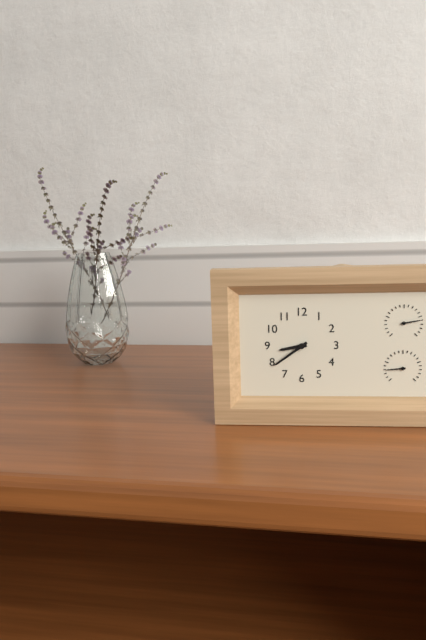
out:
8 h 39 min
